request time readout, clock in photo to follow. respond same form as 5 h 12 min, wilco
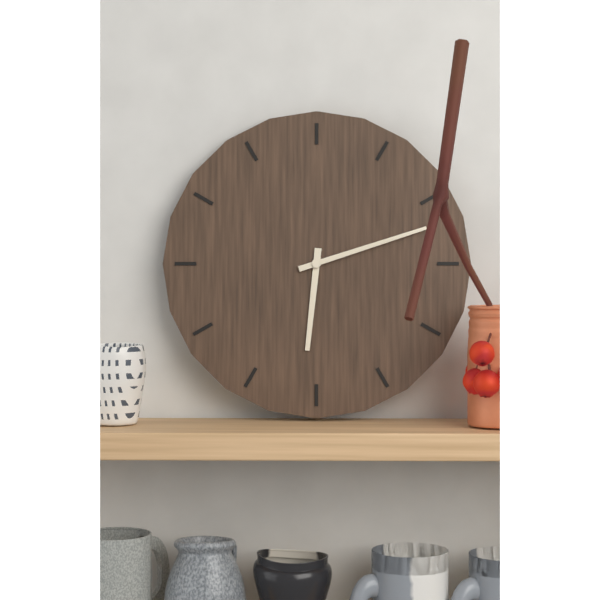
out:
6 h 12 min
